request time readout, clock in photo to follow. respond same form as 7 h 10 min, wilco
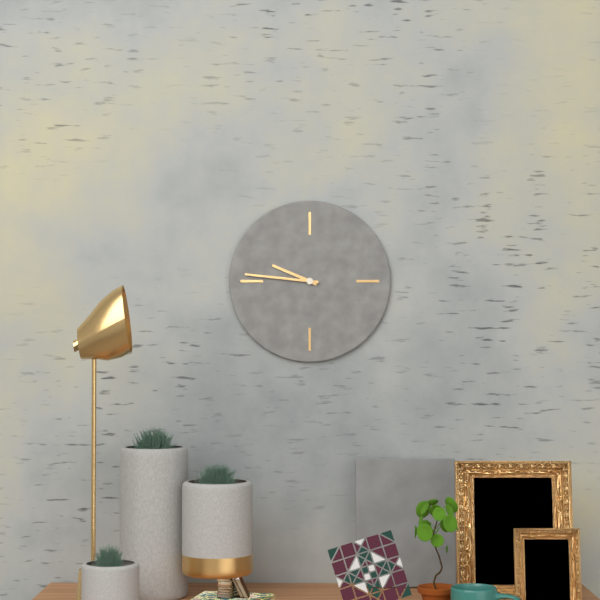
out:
9 h 46 min
